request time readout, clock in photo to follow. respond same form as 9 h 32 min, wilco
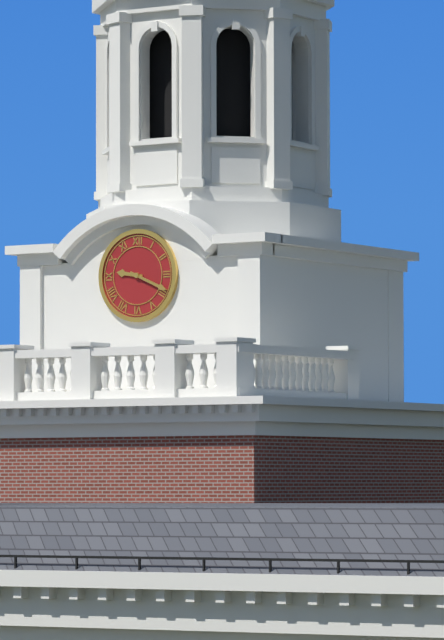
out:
9 h 19 min
